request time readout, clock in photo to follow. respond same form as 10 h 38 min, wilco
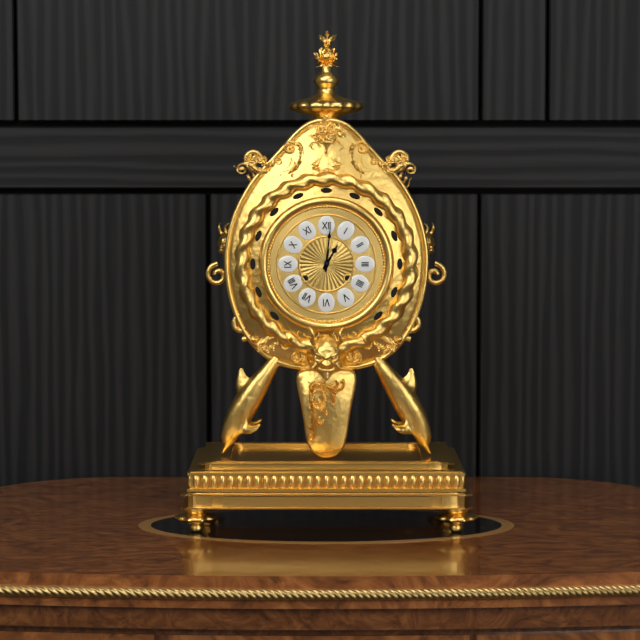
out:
1 h 01 min
